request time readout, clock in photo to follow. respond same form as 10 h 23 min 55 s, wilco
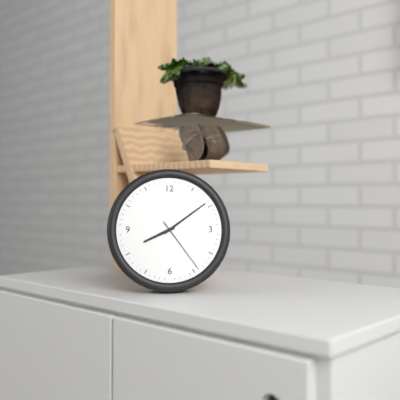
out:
8 h 09 min 24 s
